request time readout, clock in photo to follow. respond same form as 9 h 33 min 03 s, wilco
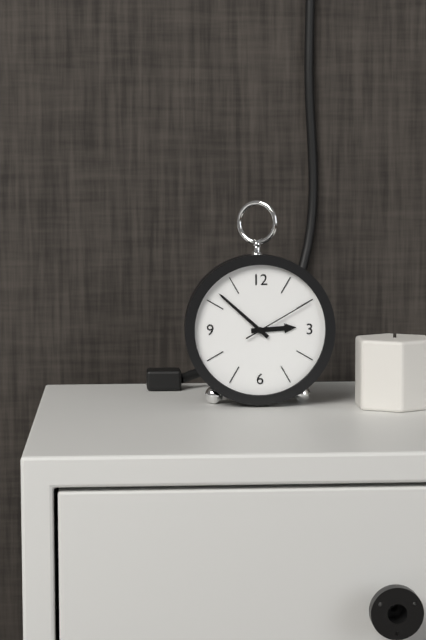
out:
2 h 52 min 10 s
